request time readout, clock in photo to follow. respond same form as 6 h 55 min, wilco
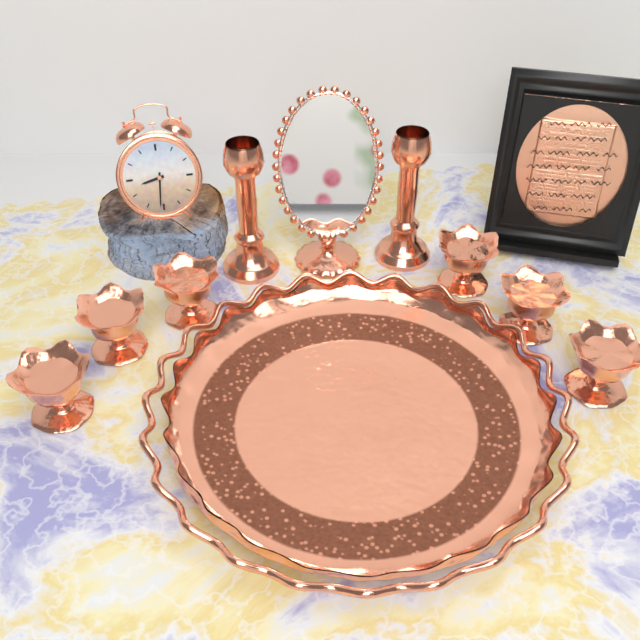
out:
8 h 31 min
